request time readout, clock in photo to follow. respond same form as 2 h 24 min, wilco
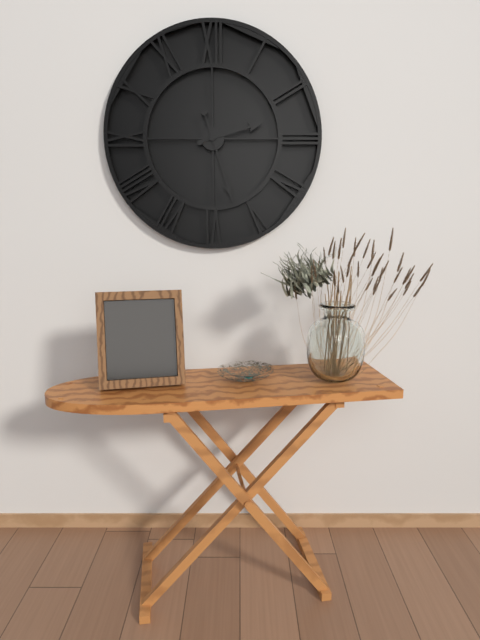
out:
2 h 27 min
